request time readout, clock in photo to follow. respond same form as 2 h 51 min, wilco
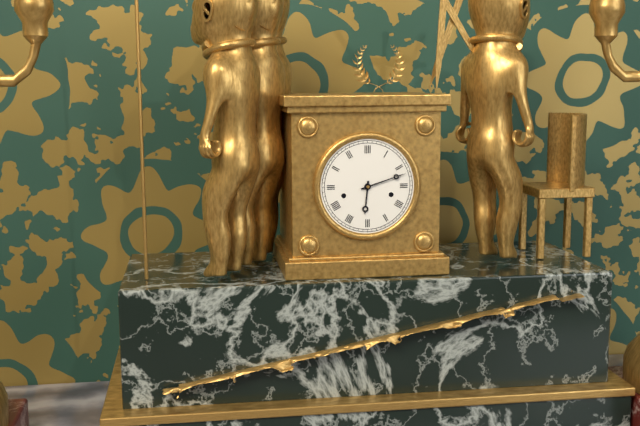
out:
6 h 12 min
